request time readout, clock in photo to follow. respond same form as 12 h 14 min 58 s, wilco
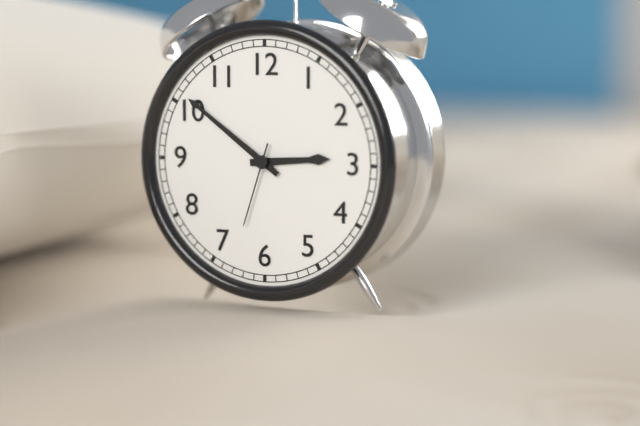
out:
2 h 51 min 33 s
